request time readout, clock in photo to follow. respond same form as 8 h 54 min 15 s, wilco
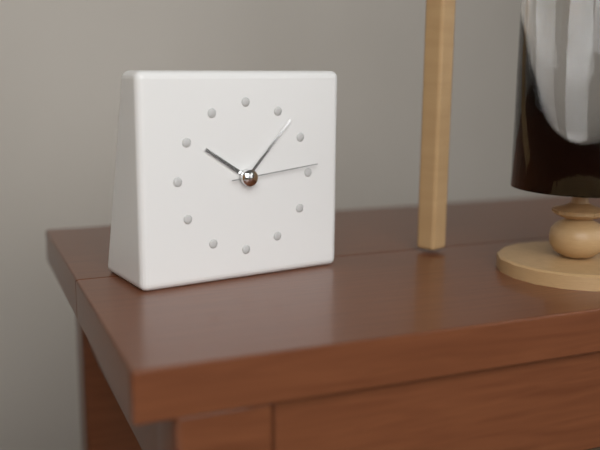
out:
10 h 07 min 14 s
